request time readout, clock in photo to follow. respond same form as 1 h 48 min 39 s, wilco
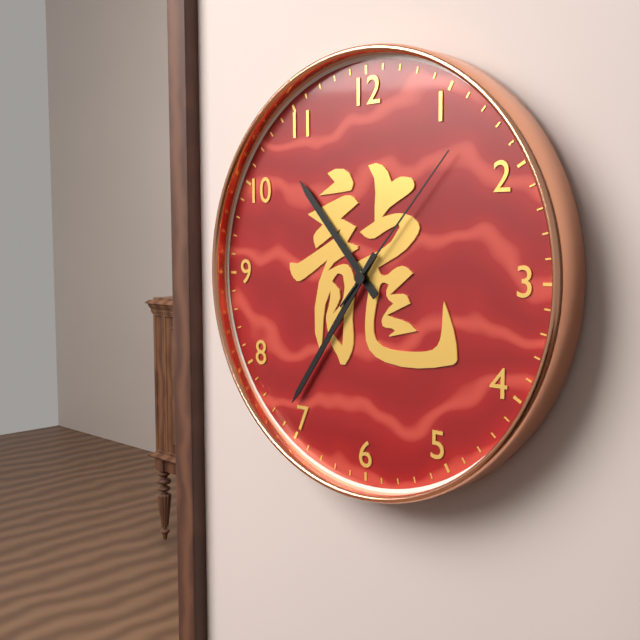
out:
10 h 36 min 07 s
